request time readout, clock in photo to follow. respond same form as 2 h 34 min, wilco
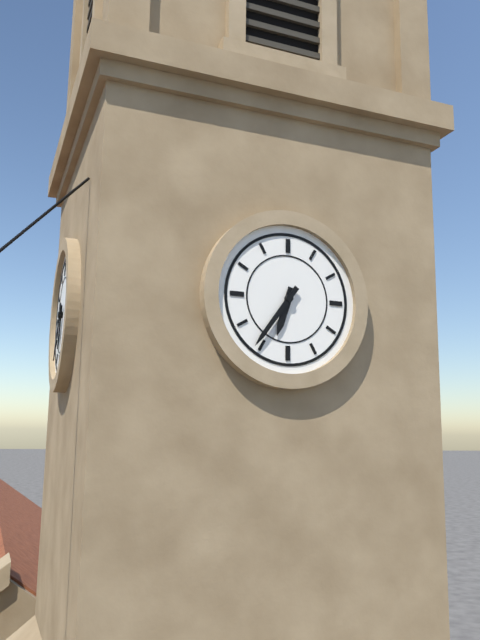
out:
6 h 36 min
